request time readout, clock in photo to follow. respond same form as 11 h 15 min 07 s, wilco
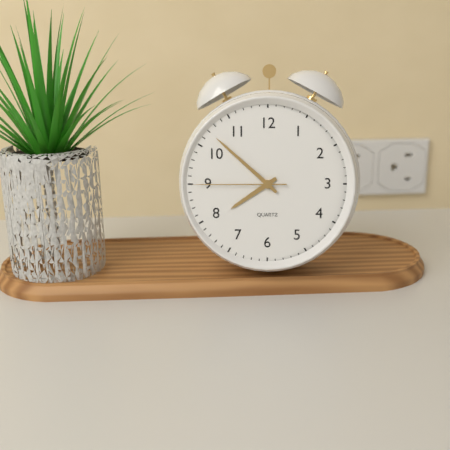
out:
7 h 52 min 45 s
